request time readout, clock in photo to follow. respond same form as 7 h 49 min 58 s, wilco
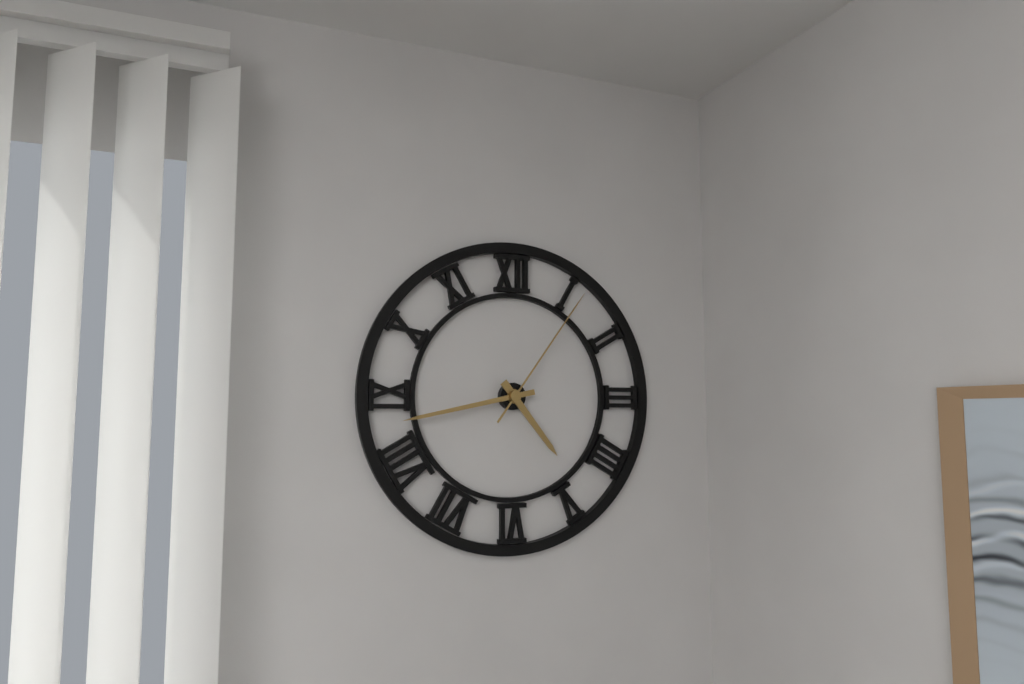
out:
4 h 43 min 06 s
